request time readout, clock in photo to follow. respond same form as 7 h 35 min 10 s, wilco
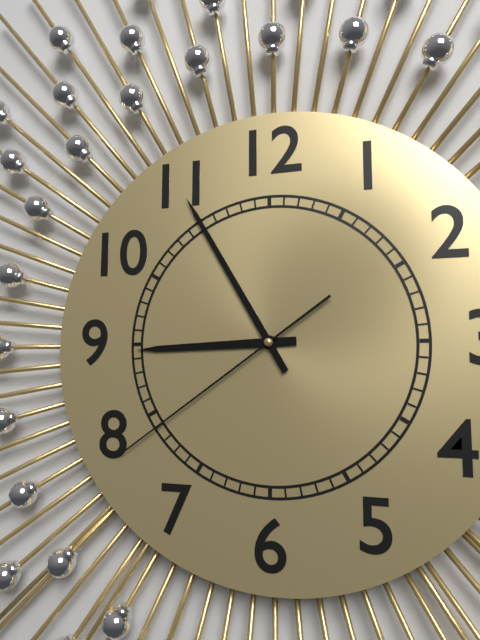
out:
8 h 55 min 39 s
